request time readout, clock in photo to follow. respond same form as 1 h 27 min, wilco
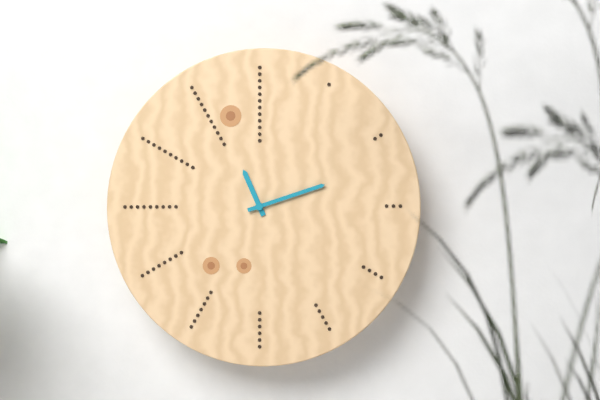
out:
11 h 12 min
